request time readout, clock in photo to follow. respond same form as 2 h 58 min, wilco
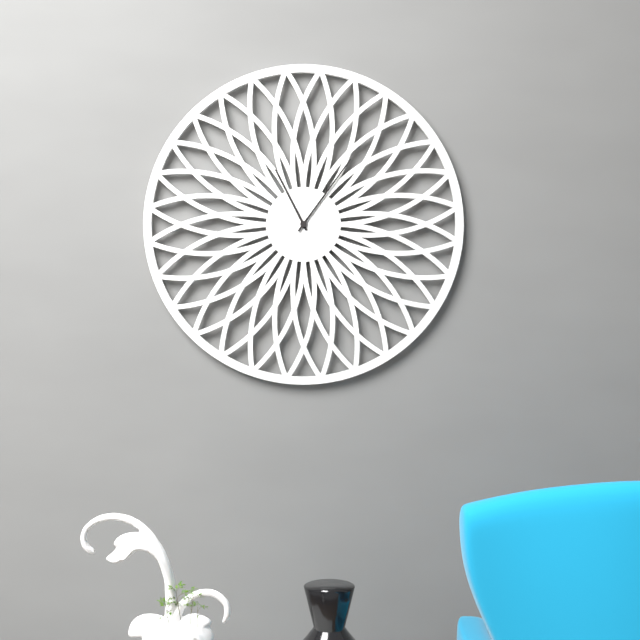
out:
11 h 06 min
